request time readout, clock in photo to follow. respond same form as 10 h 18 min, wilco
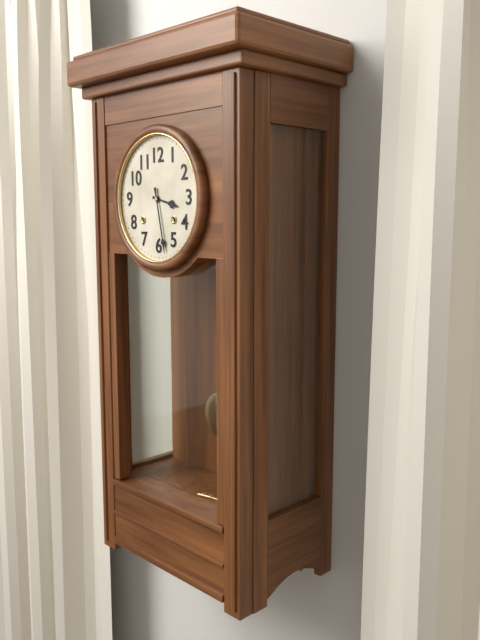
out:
3 h 28 min
